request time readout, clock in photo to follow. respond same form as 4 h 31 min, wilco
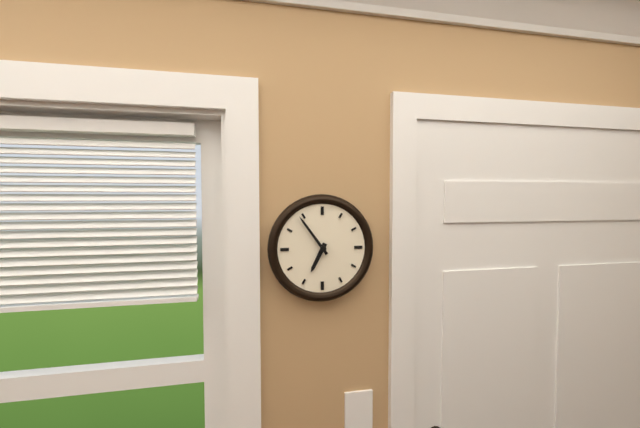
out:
6 h 54 min
